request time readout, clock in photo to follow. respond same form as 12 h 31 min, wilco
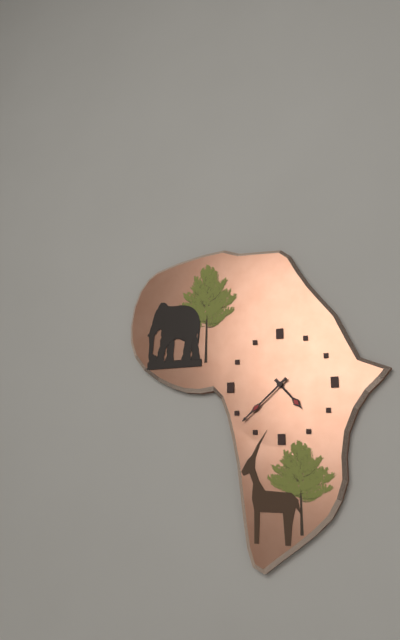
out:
4 h 38 min
